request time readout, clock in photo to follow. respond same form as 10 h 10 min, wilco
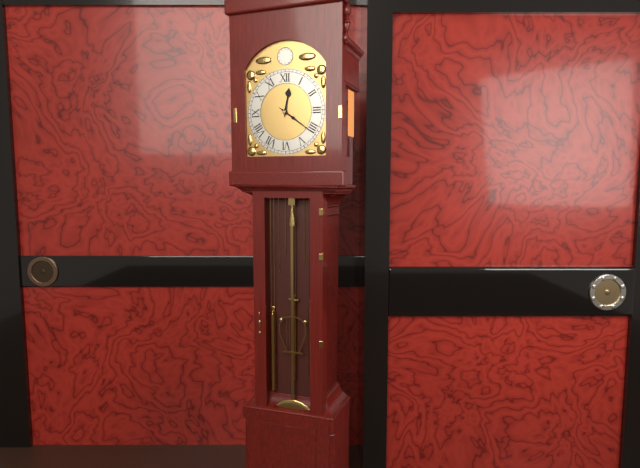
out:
12 h 21 min
